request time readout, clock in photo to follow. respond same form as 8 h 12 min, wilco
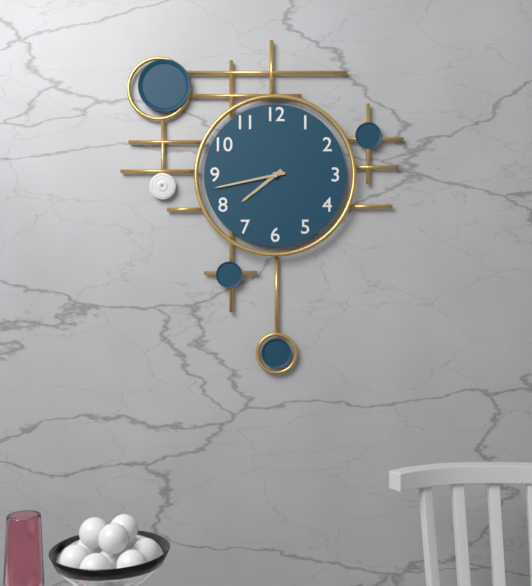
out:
7 h 43 min
